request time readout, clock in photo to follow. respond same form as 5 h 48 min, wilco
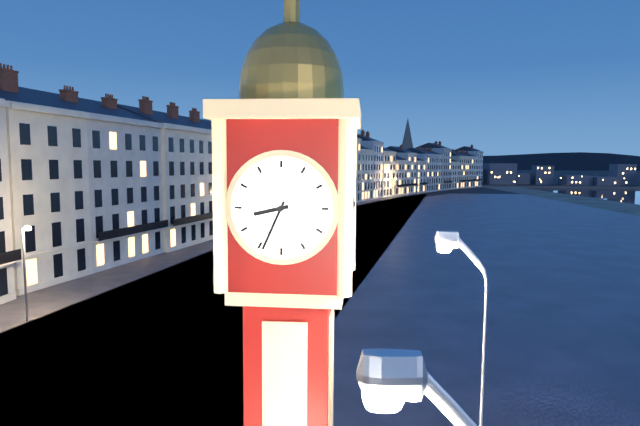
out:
8 h 34 min
